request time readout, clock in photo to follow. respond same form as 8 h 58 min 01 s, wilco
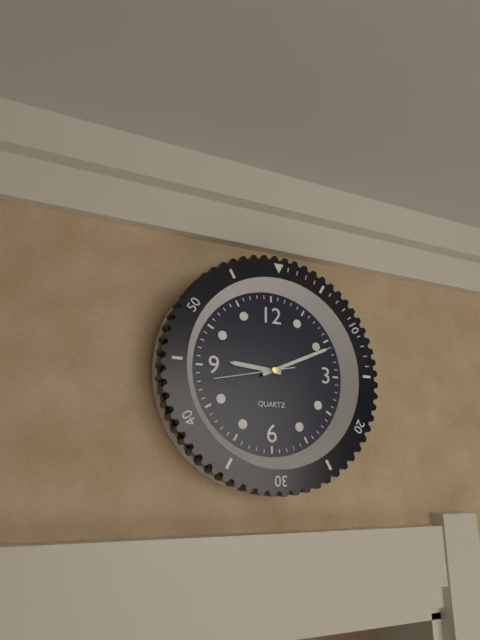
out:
9 h 11 min 43 s
